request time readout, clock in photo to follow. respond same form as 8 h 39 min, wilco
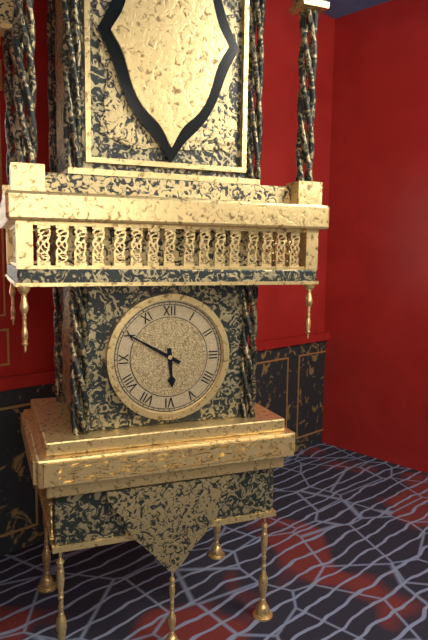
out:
5 h 50 min
